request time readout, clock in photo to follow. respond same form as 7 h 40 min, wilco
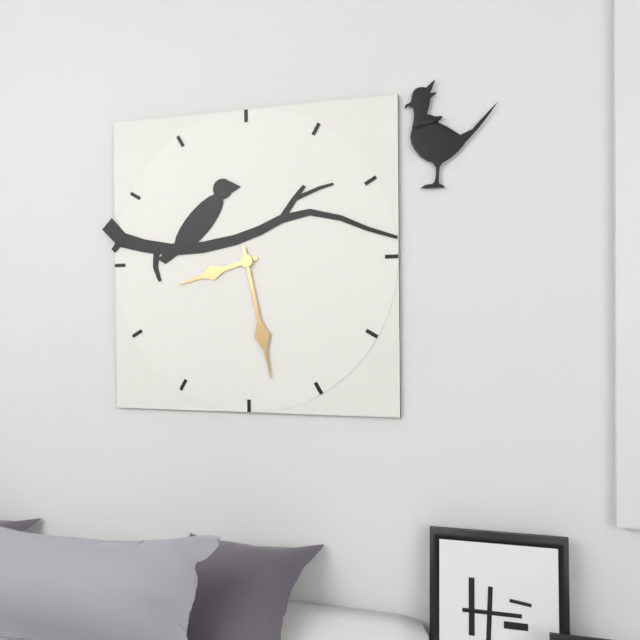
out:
8 h 28 min
